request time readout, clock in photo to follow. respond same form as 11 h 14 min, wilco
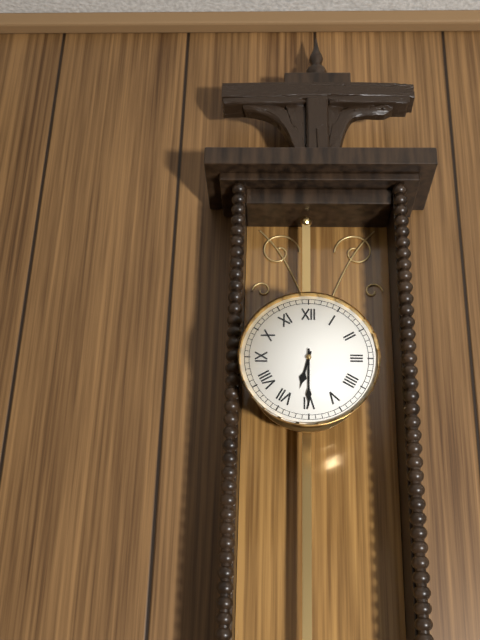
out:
6 h 30 min
